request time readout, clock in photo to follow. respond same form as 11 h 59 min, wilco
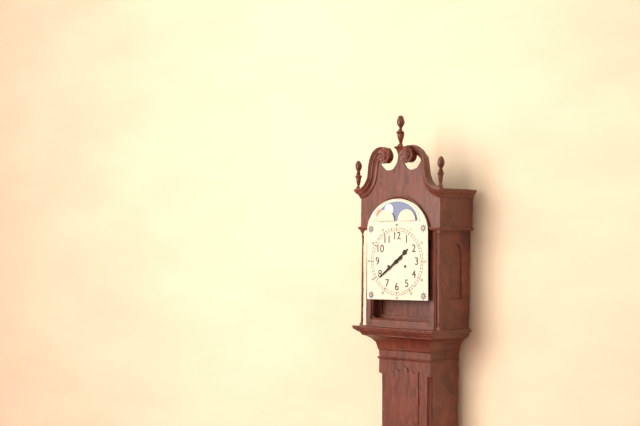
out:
1 h 39 min
